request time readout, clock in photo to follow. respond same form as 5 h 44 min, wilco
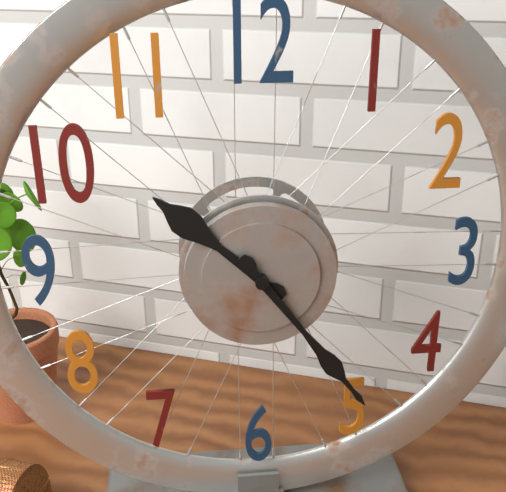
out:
10 h 24 min
